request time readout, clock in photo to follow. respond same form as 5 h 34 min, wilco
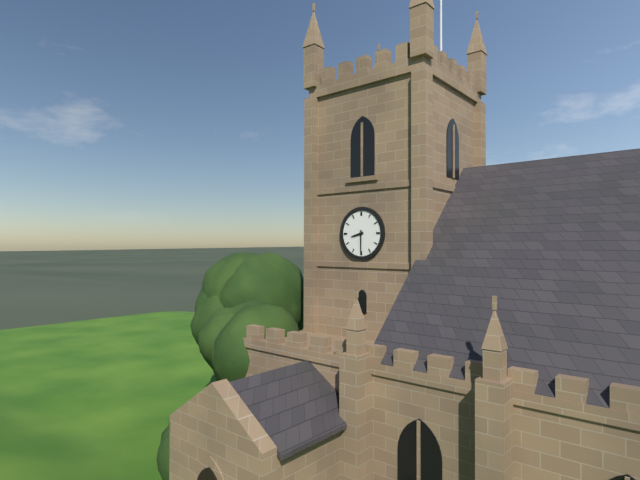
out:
8 h 30 min
